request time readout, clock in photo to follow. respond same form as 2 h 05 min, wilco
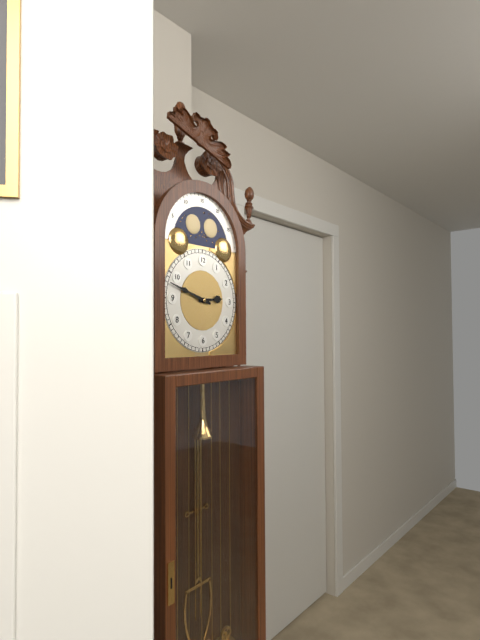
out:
2 h 48 min
